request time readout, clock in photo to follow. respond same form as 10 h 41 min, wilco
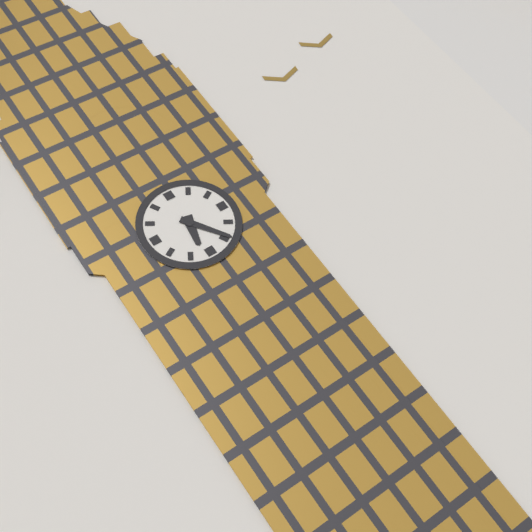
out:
6 h 24 min
